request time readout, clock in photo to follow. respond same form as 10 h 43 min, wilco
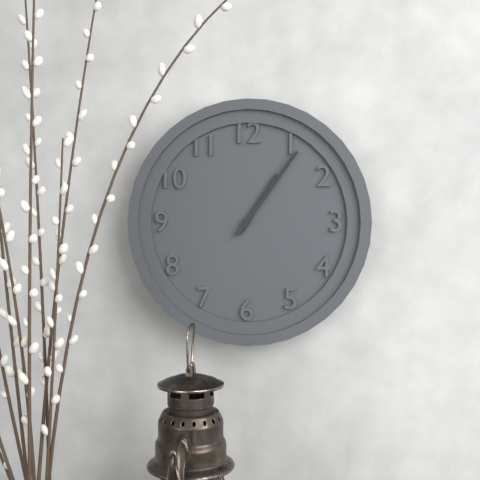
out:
1 h 06 min
